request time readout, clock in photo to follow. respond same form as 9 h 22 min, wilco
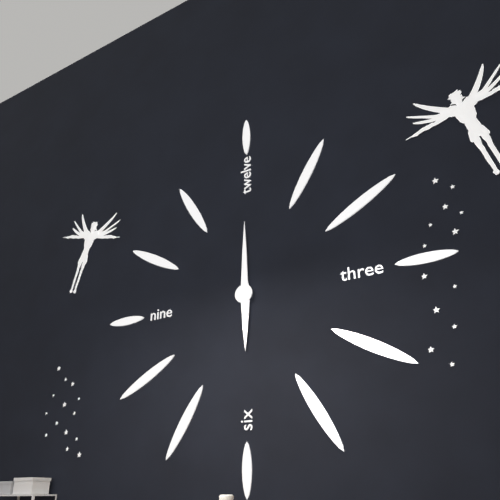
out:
6 h 00 min
